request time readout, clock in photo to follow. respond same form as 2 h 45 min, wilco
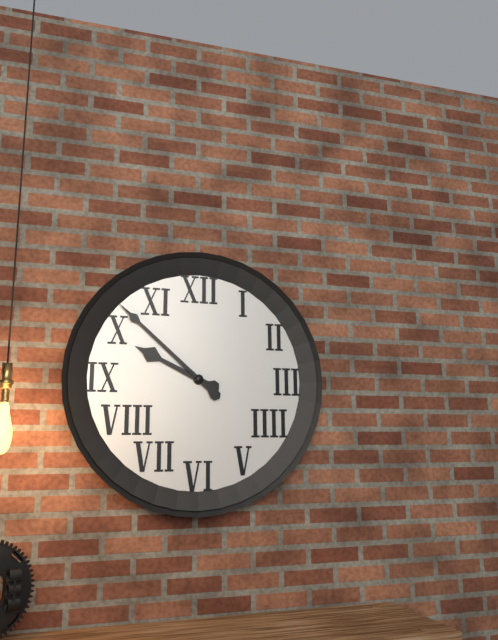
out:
9 h 52 min
